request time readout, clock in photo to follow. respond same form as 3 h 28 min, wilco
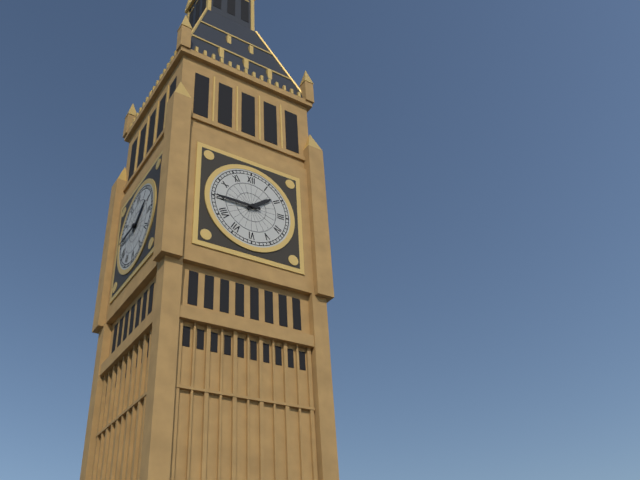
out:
1 h 45 min
